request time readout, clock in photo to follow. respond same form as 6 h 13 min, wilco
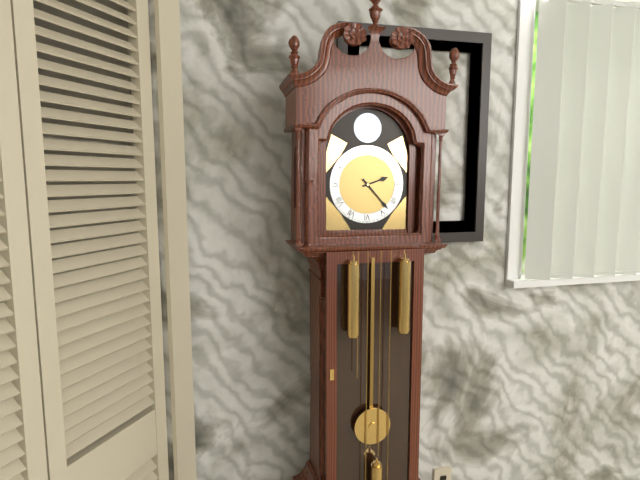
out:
2 h 23 min
